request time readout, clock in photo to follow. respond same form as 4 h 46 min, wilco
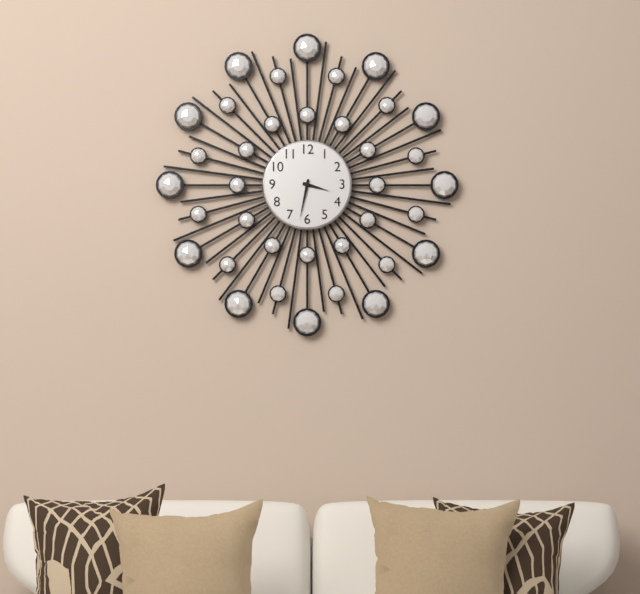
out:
3 h 32 min
